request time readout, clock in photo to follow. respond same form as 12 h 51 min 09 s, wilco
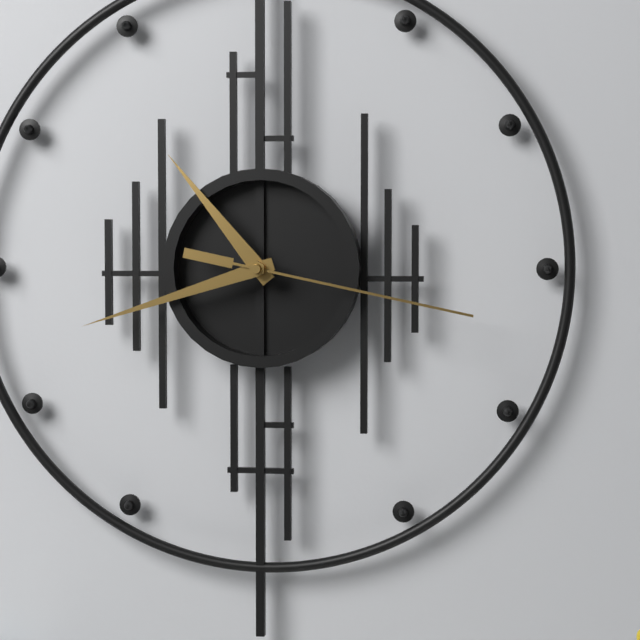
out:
10 h 42 min 17 s
